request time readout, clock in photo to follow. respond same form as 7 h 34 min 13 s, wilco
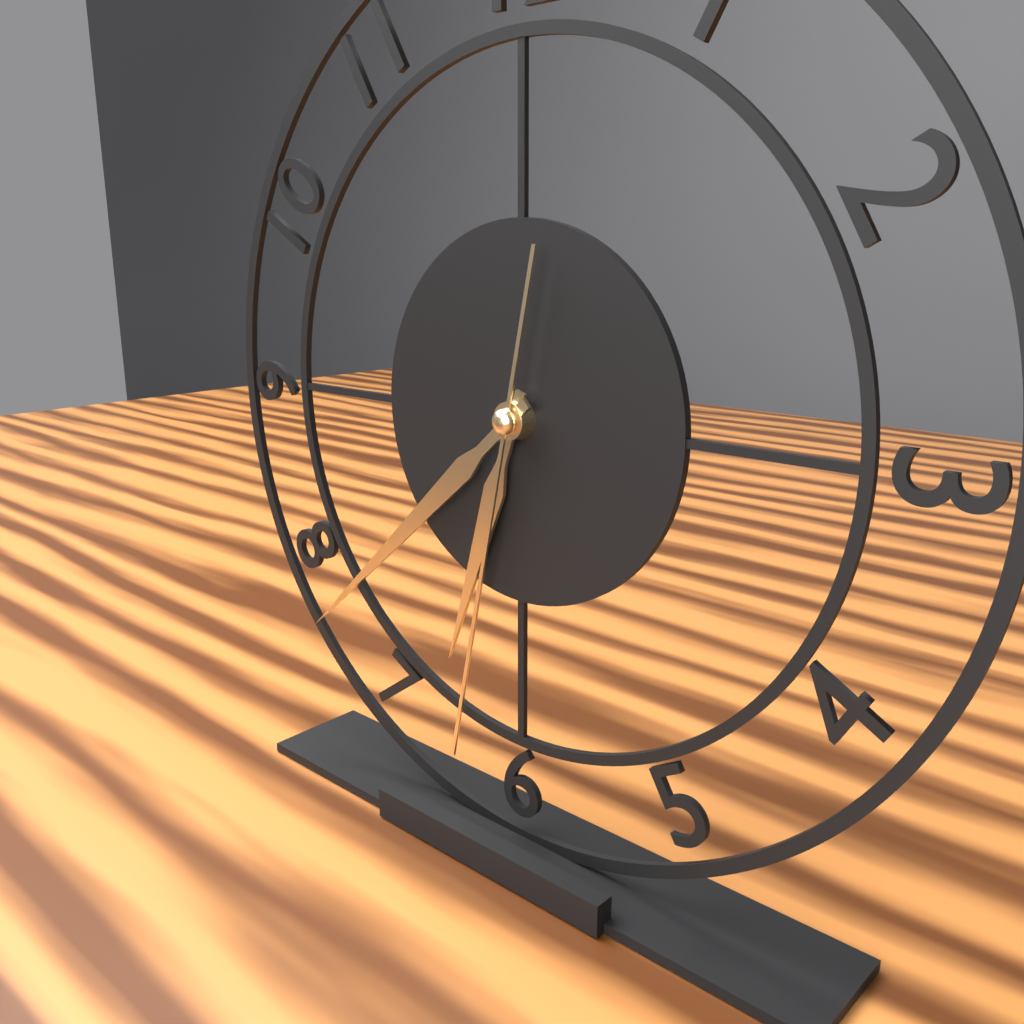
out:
6 h 38 min 32 s
